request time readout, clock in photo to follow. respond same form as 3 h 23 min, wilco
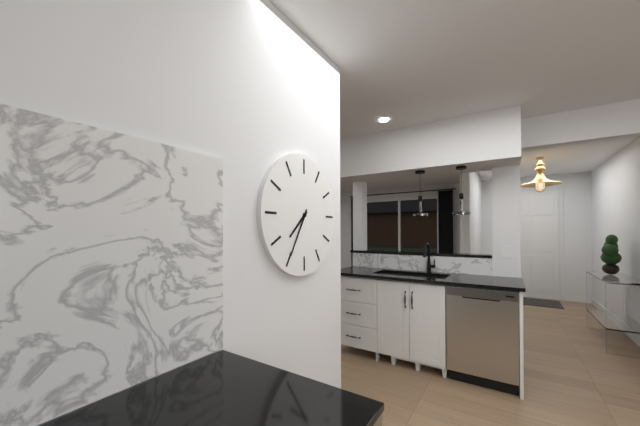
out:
7 h 35 min
